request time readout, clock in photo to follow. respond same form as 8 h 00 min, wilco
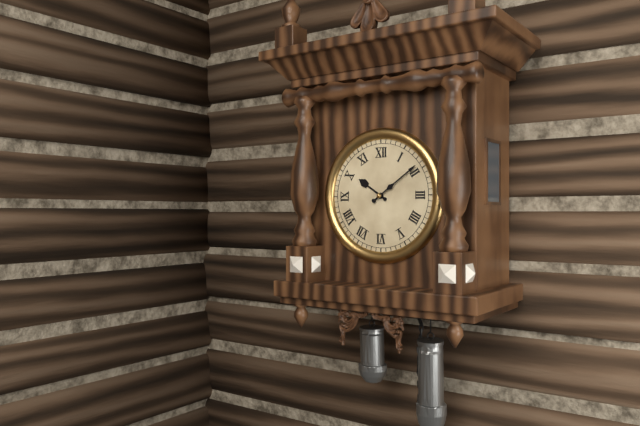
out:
10 h 09 min
